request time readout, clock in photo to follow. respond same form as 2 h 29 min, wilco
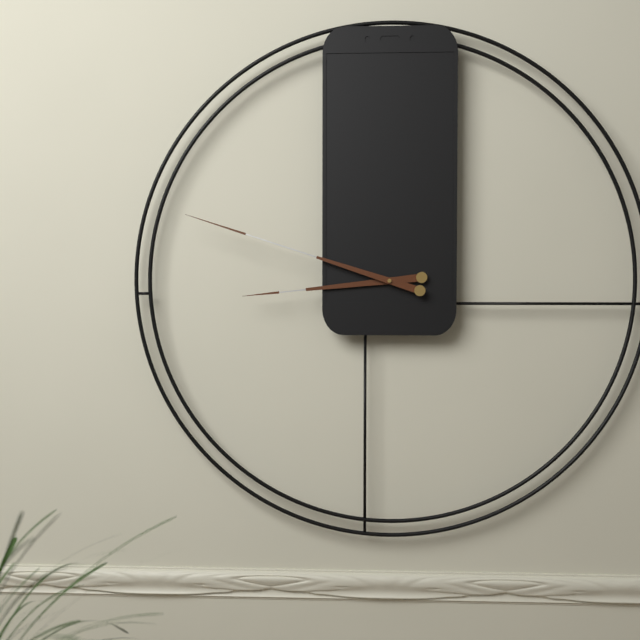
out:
8 h 48 min
